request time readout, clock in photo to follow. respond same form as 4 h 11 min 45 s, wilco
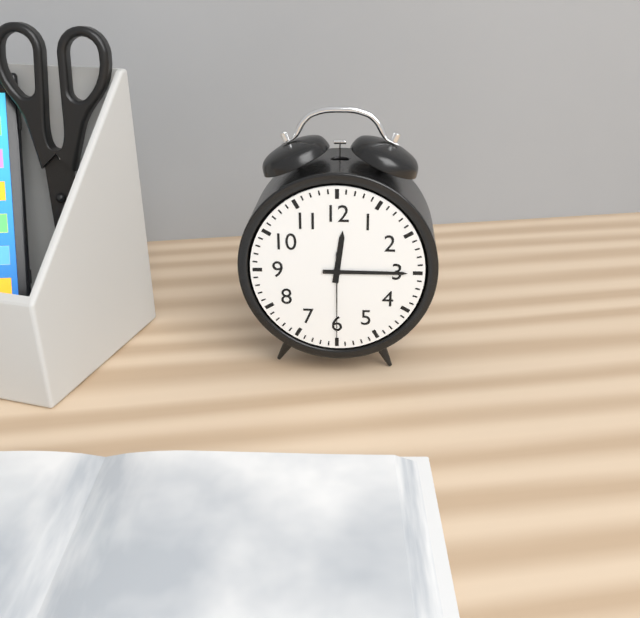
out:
12 h 15 min 30 s
